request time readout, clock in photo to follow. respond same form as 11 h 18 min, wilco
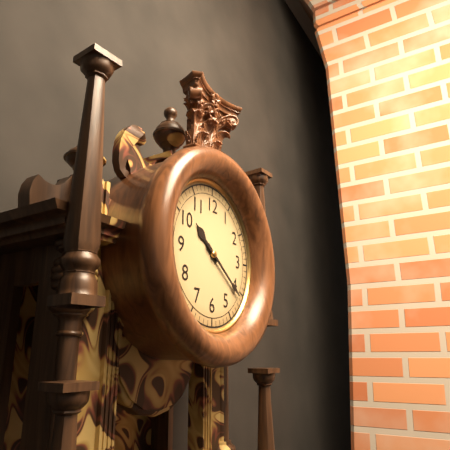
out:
10 h 21 min
